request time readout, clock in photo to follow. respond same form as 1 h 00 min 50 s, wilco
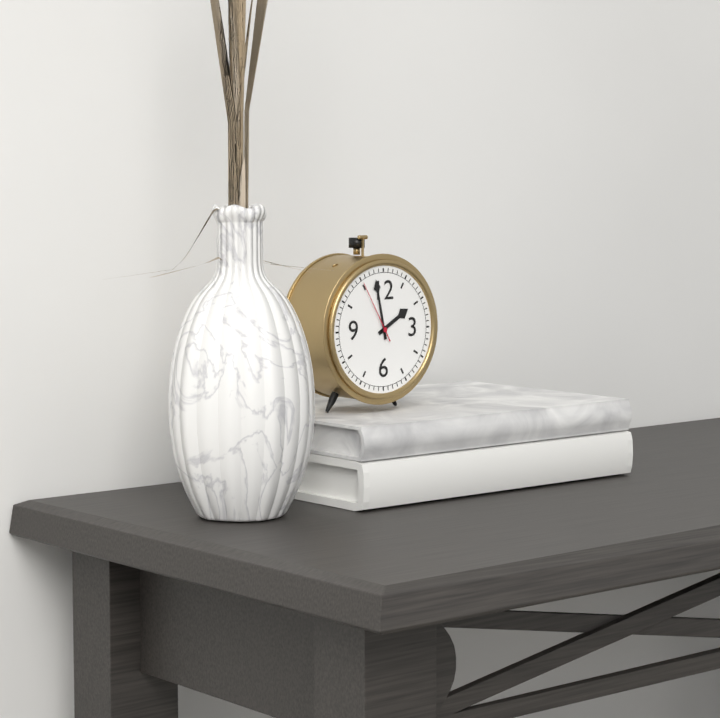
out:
1 h 58 min 55 s
